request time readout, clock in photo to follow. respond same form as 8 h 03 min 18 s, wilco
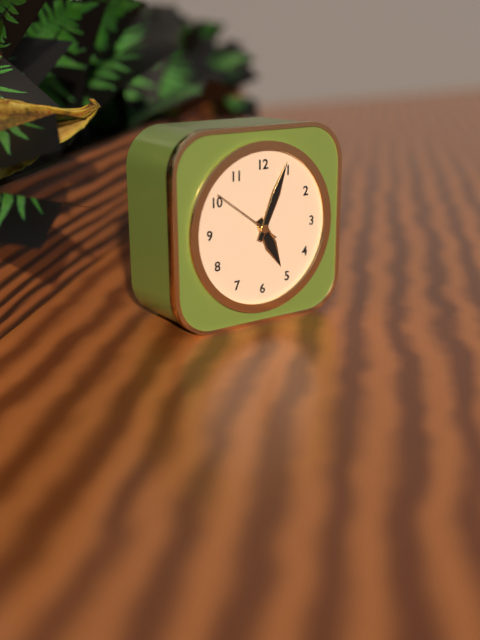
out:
5 h 04 min 51 s
